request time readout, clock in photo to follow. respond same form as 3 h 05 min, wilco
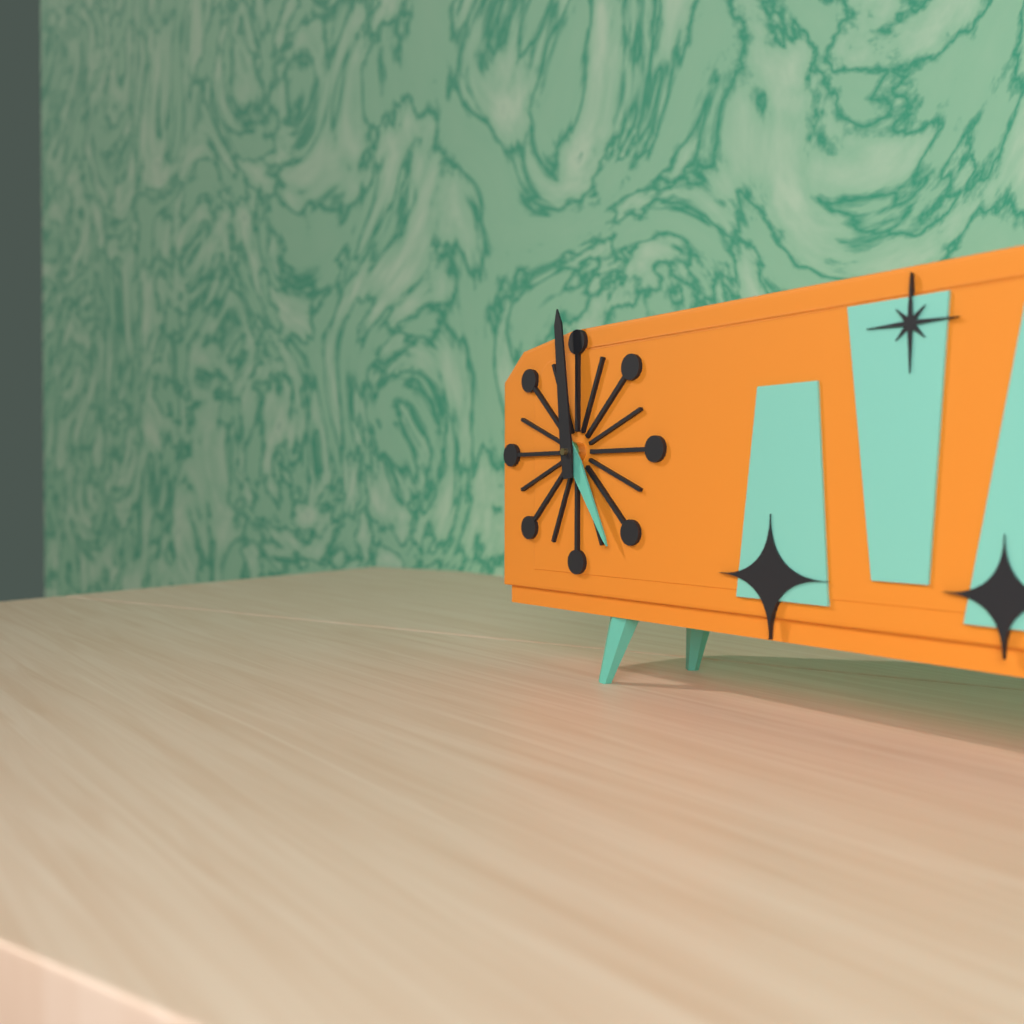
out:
4 h 59 min
